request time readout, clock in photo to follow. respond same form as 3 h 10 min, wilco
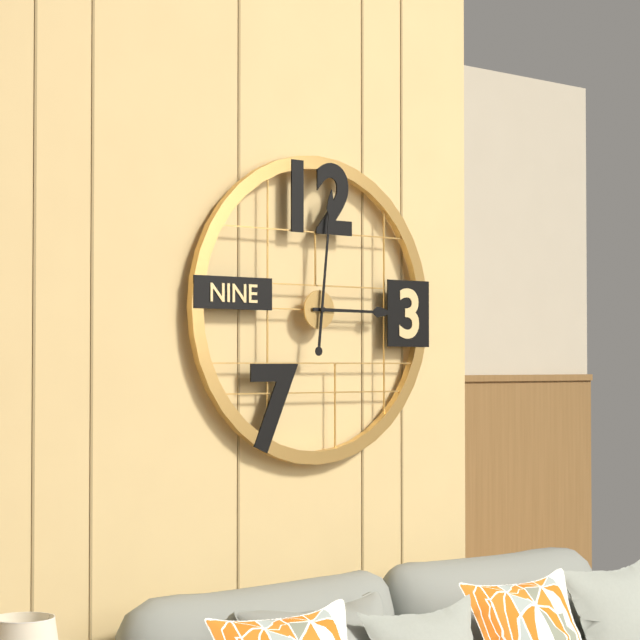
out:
3 h 01 min
